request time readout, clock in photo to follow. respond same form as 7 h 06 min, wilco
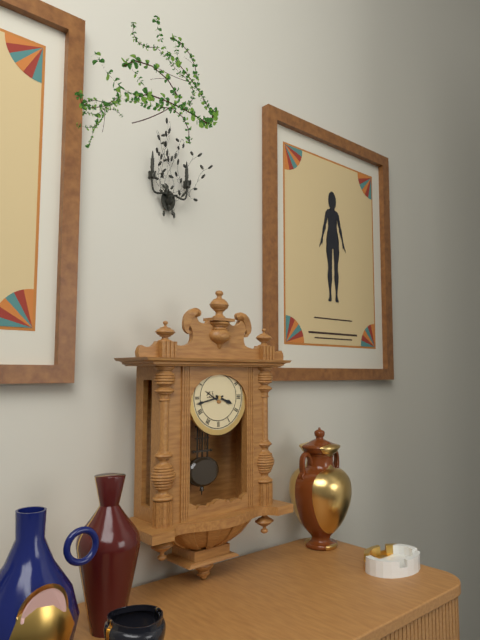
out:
3 h 43 min
